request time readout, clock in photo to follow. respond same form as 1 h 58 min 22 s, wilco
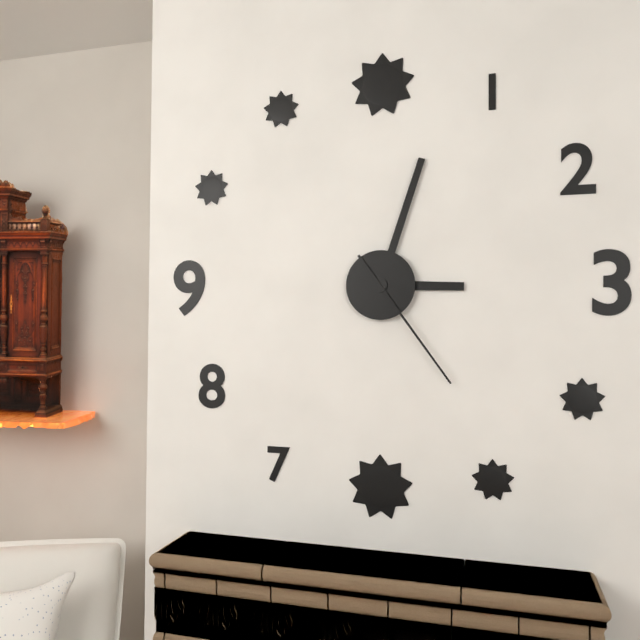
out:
3 h 03 min 24 s
